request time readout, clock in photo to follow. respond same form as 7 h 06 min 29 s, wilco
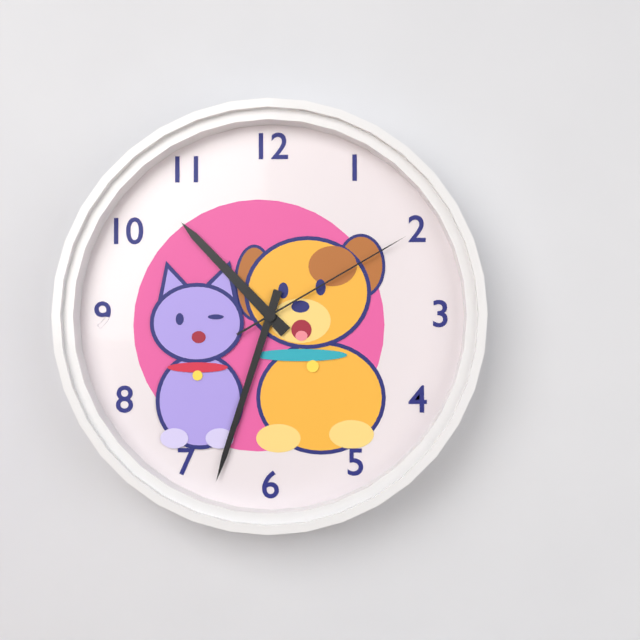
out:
10 h 33 min 10 s
